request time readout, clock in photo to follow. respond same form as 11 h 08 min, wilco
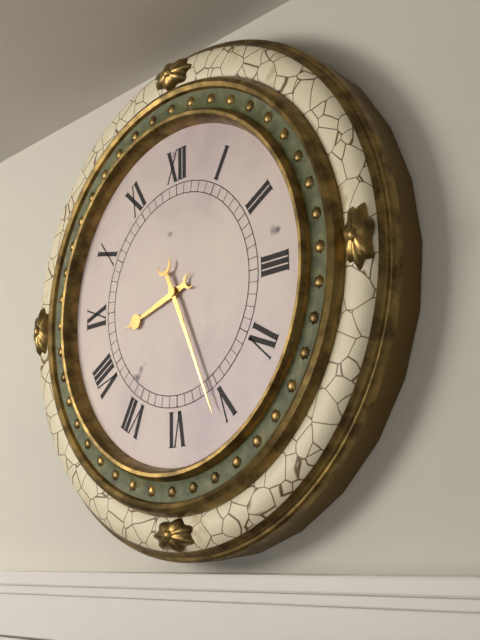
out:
8 h 26 min
